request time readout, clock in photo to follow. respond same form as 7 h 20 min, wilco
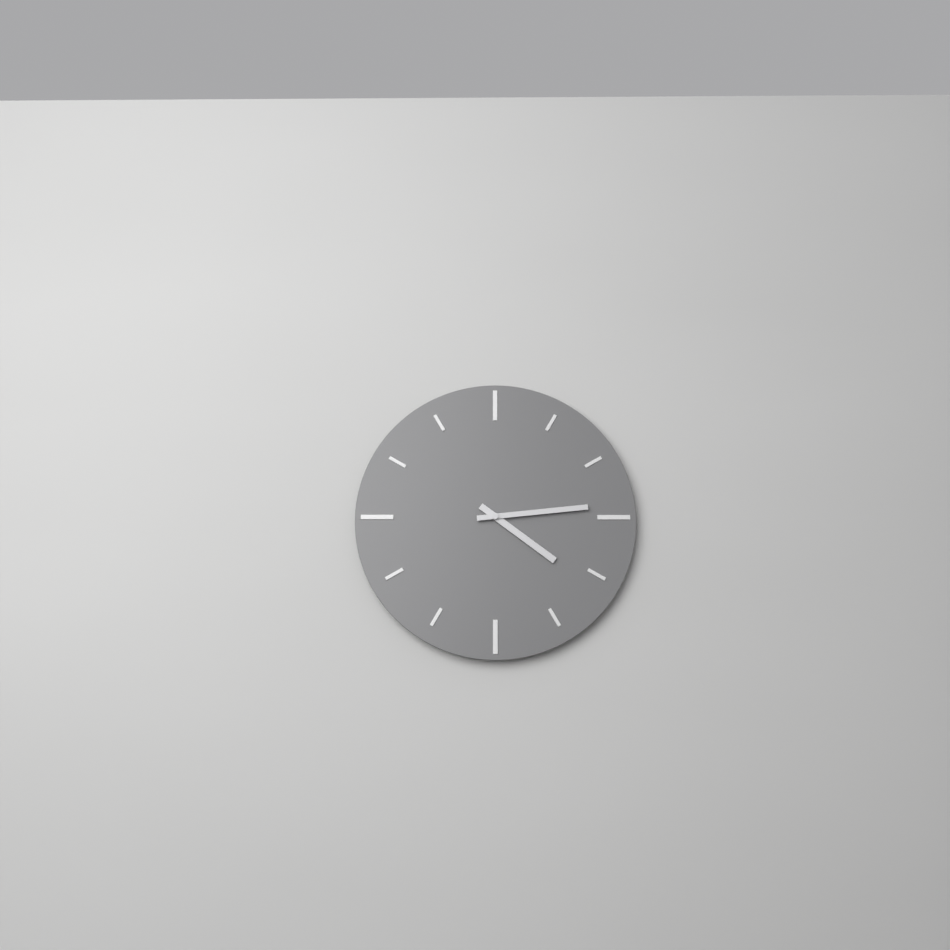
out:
4 h 14 min
